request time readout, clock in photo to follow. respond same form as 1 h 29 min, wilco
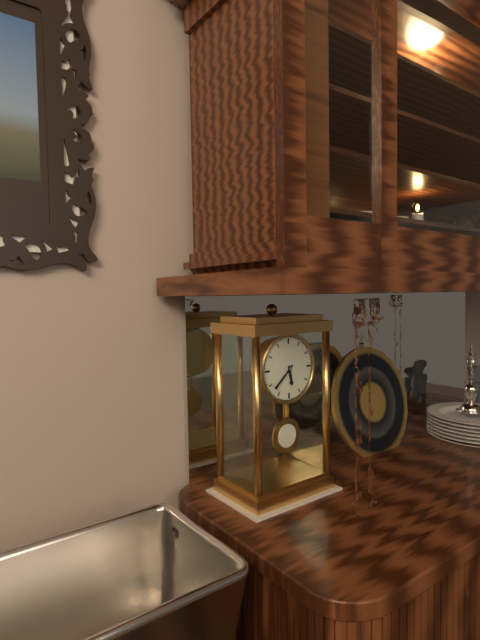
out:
5 h 38 min
